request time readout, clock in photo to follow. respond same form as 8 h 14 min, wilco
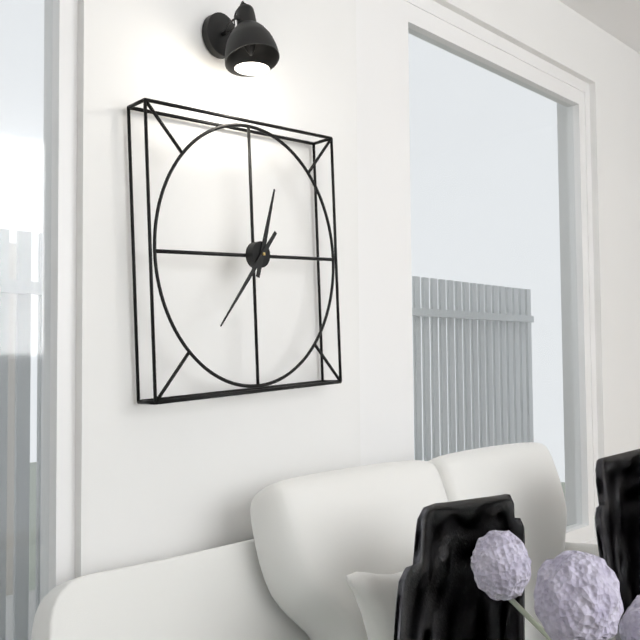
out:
12 h 37 min
